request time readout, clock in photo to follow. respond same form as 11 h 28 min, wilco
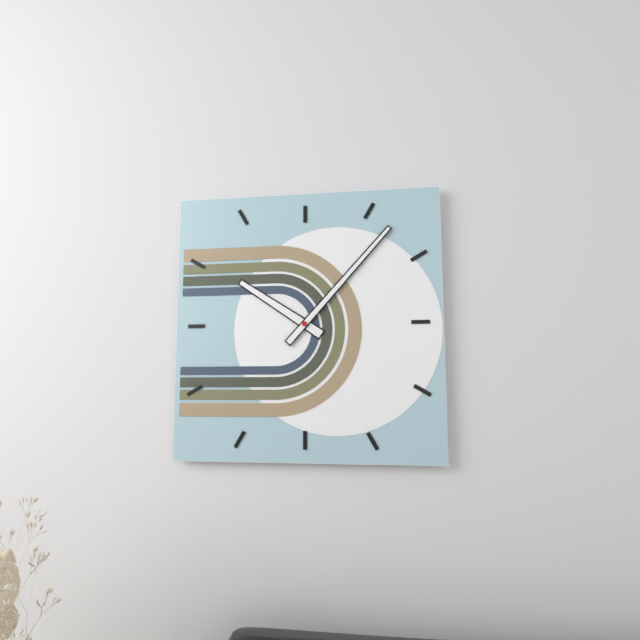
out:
10 h 07 min
